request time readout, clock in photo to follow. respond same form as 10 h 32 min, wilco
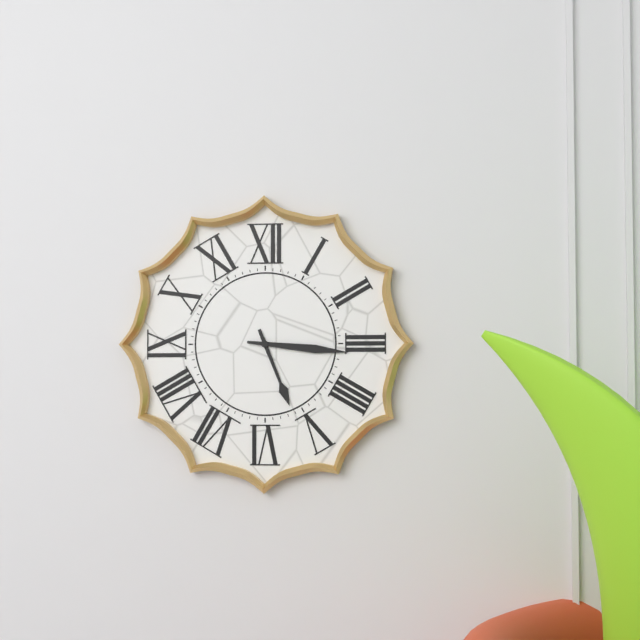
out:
5 h 16 min
